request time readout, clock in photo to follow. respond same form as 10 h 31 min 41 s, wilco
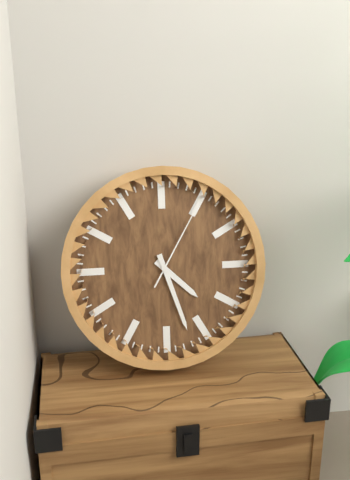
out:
4 h 27 min 05 s
